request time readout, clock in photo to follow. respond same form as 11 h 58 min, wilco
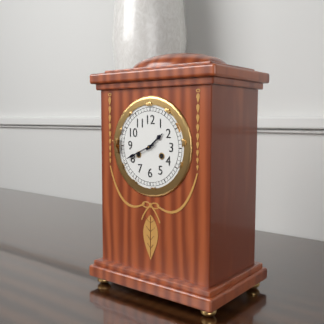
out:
1 h 41 min
